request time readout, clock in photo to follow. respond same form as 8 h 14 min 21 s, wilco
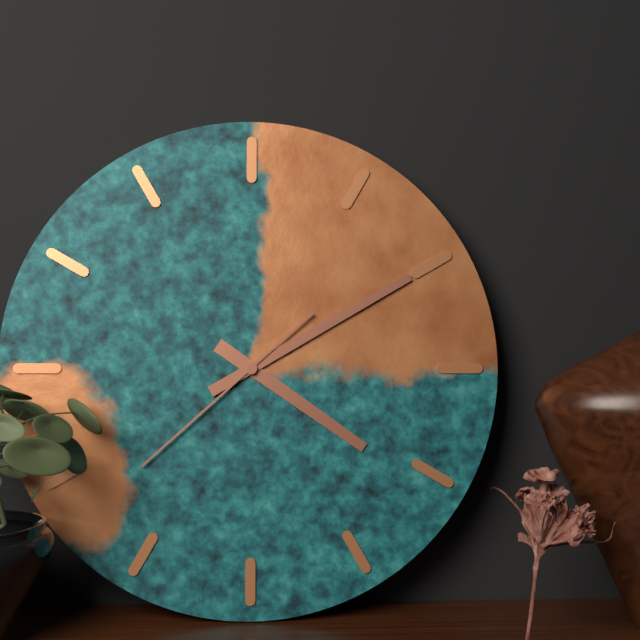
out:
4 h 10 min 38 s
